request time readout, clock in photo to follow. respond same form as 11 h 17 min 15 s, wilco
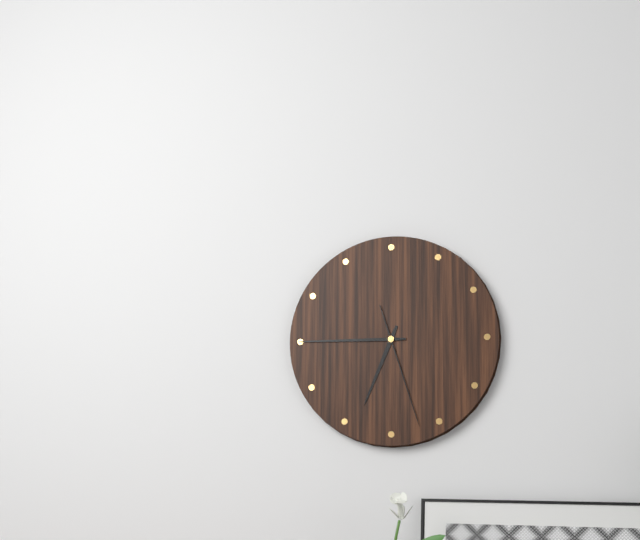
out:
6 h 45 min 27 s
